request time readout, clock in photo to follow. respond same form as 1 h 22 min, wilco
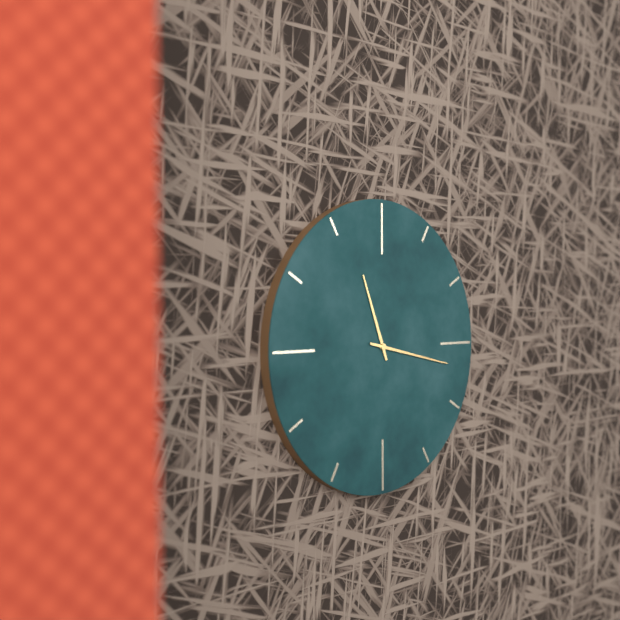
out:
11 h 17 min
